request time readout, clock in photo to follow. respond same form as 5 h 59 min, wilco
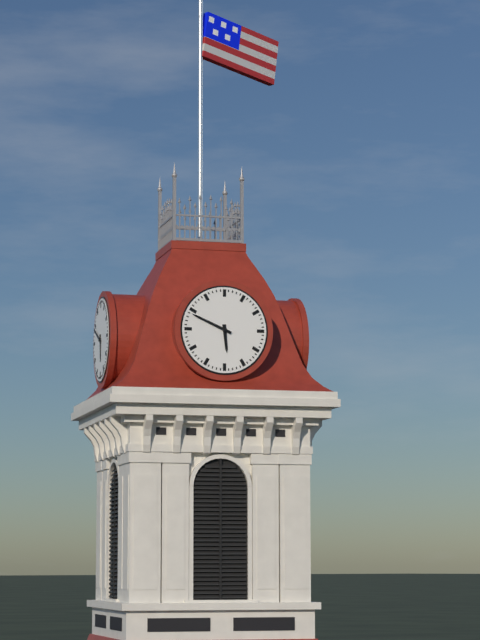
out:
5 h 49 min
